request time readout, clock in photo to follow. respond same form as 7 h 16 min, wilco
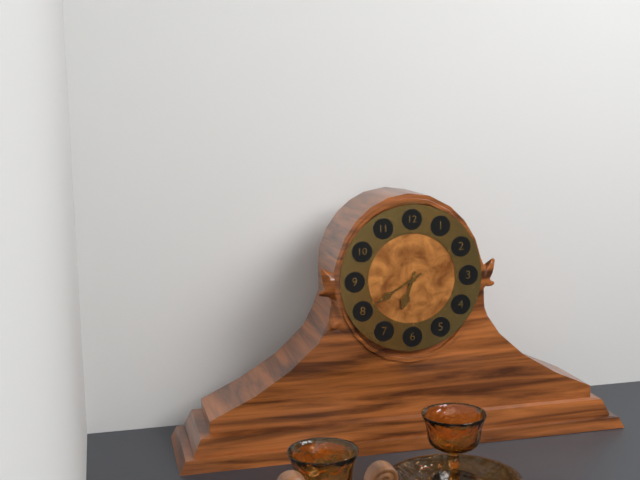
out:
6 h 40 min
